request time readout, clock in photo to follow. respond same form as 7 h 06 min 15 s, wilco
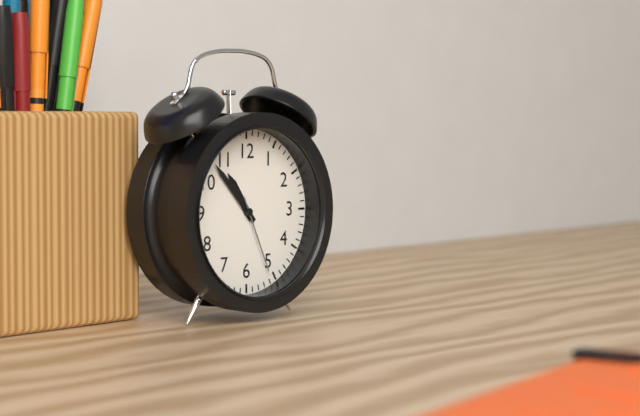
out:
10 h 53 min 26 s
